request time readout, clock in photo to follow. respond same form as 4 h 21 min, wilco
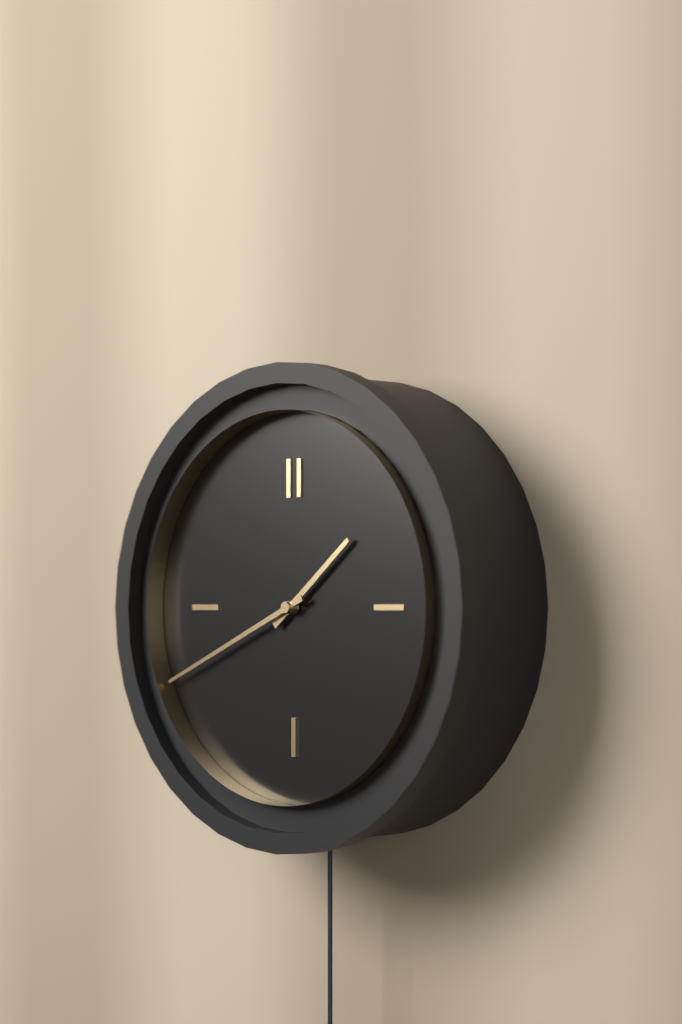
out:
1 h 41 min
